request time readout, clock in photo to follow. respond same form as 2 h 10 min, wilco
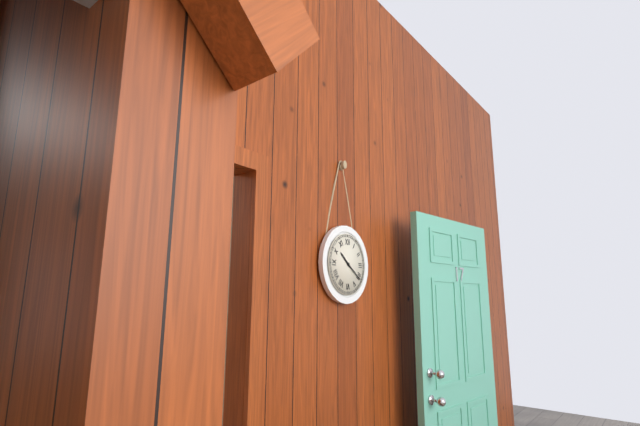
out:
10 h 21 min
